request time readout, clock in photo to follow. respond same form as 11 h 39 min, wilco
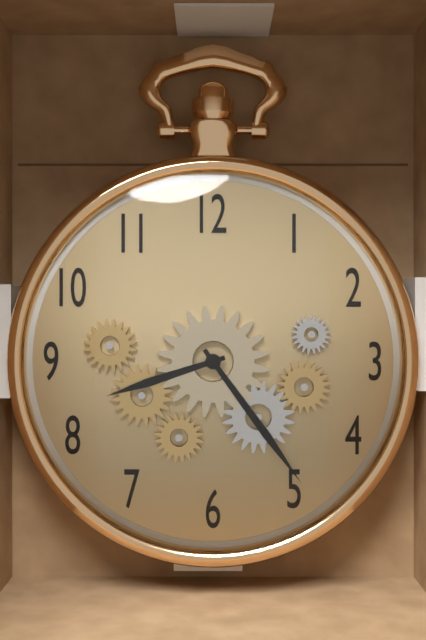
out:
8 h 24 min
